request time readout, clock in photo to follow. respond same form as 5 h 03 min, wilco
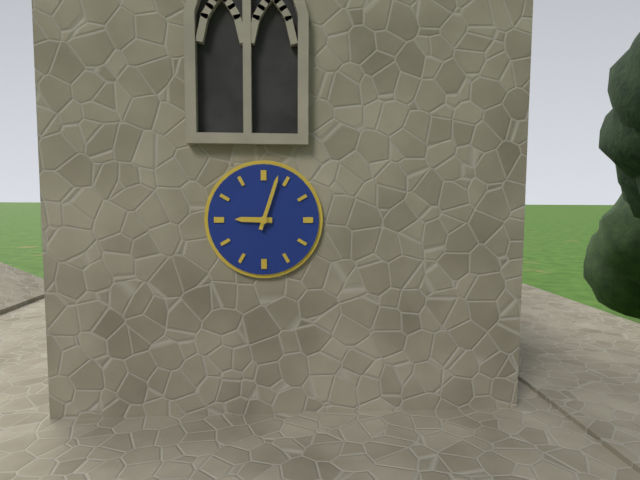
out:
9 h 03 min
